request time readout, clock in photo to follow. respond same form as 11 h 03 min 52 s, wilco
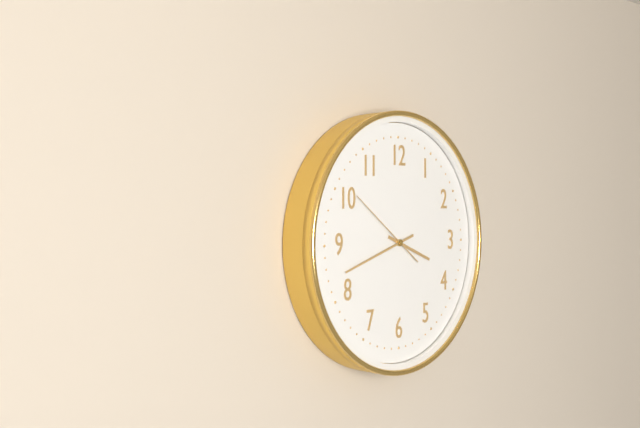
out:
3 h 42 min 51 s
